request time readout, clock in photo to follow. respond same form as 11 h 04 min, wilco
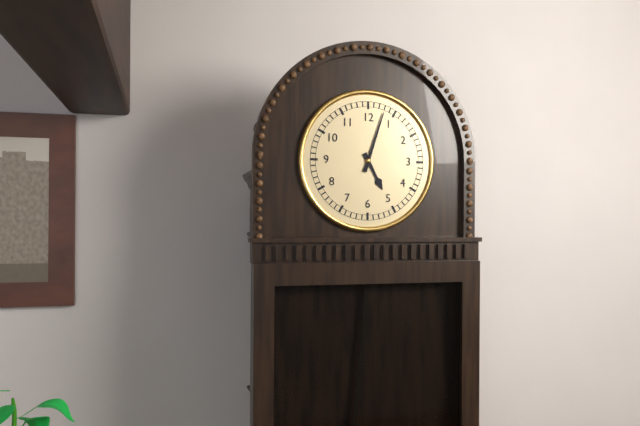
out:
5 h 03 min
